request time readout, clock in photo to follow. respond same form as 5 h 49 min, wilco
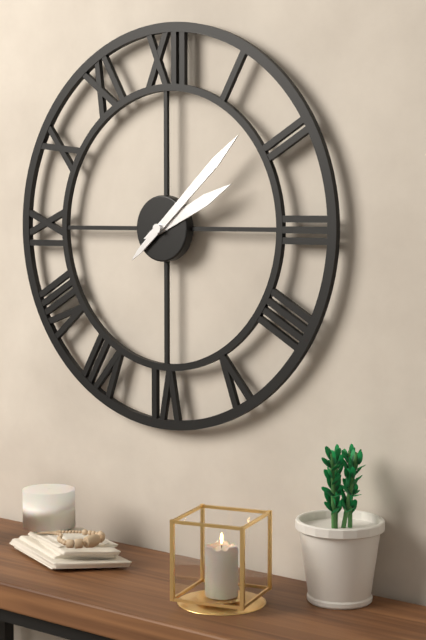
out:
2 h 08 min
